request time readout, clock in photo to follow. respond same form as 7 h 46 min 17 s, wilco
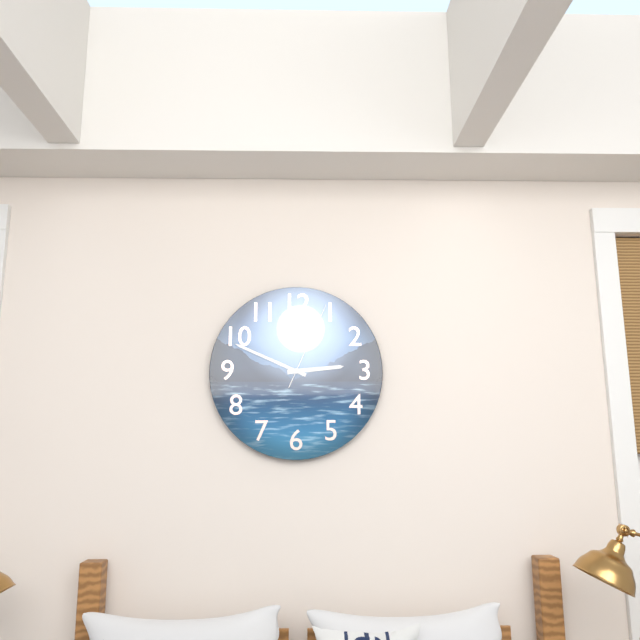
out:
2 h 49 min 04 s
